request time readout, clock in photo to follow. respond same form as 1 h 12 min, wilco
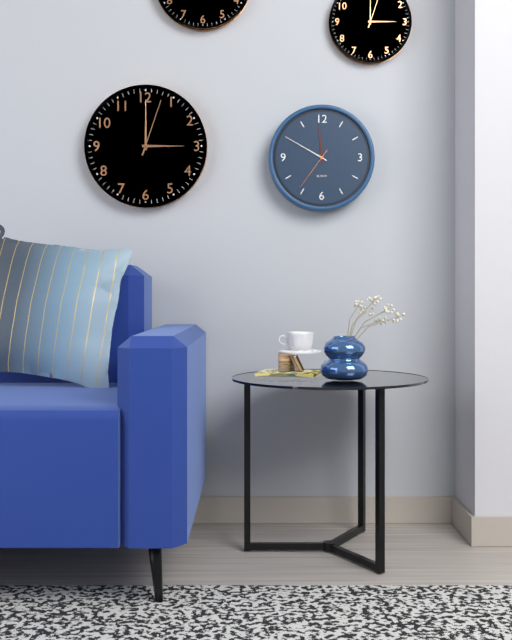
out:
11 h 50 min
